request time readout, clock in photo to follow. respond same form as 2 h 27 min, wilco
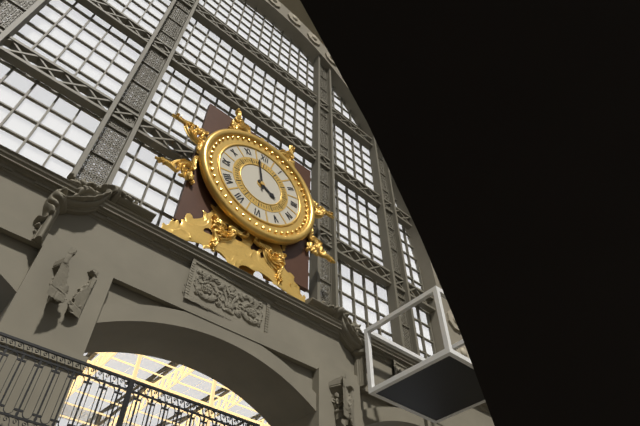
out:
3 h 58 min
